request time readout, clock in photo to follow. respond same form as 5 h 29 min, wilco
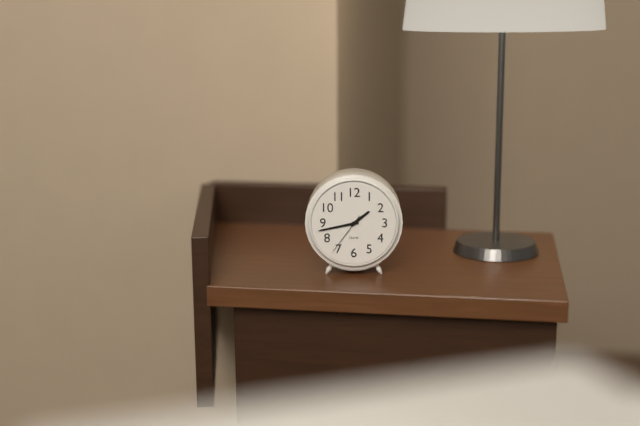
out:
1 h 43 min
